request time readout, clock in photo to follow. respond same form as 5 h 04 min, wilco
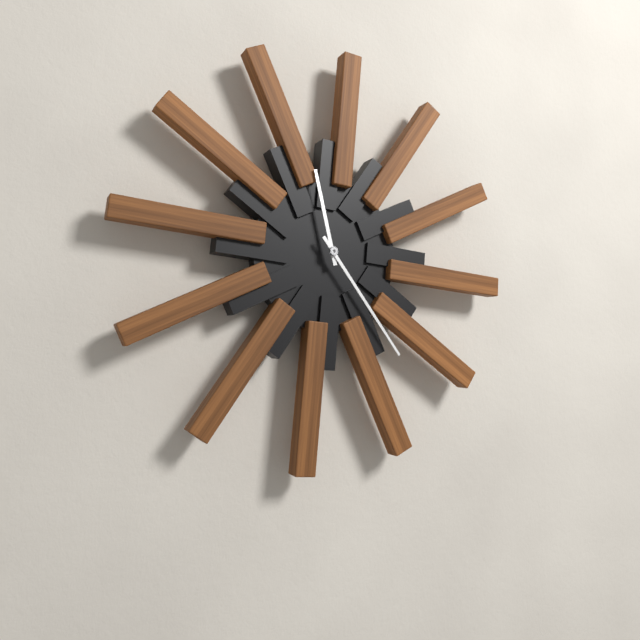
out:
11 h 23 min
